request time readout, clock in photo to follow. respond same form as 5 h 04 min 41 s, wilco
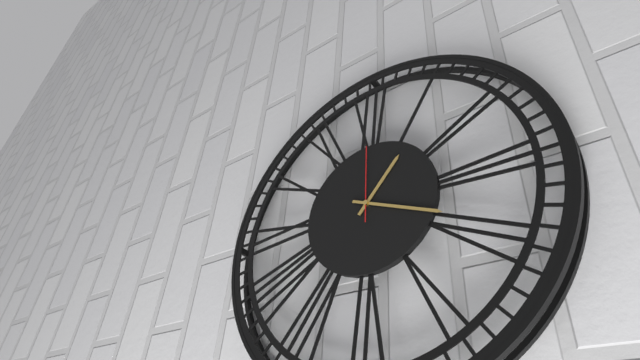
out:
1 h 19 min 00 s
